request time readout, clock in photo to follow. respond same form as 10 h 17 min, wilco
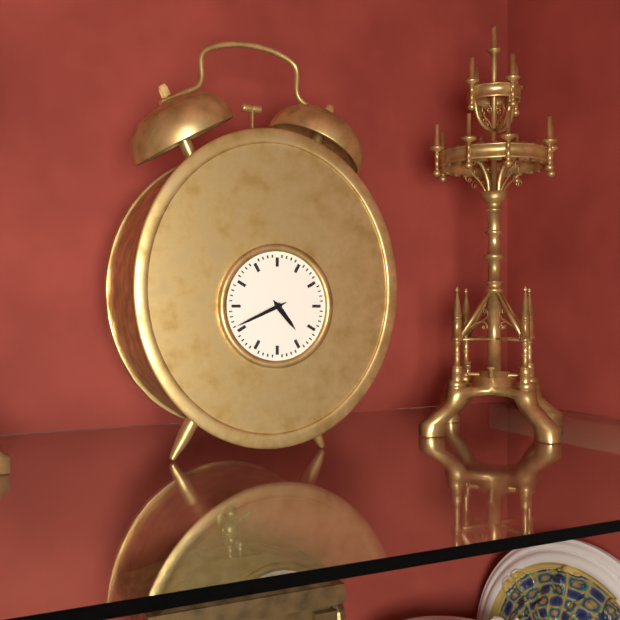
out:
4 h 41 min
